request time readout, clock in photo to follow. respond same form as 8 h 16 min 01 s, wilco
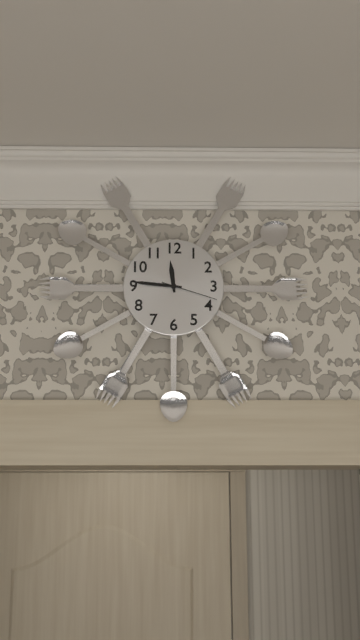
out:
11 h 46 min 18 s
